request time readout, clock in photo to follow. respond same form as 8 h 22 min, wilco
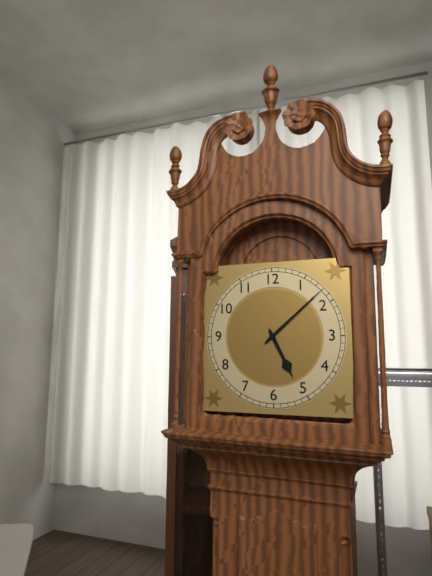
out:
5 h 08 min
